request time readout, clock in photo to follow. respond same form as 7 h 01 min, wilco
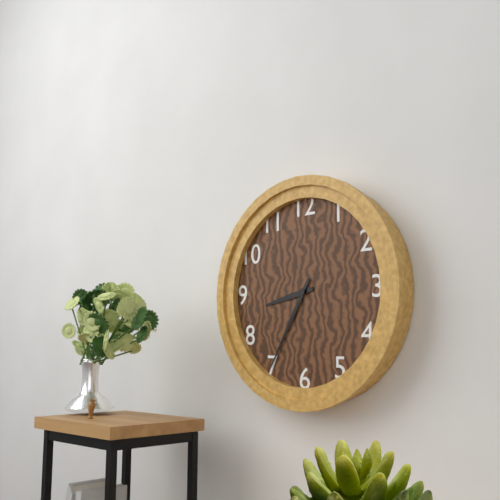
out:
8 h 35 min
